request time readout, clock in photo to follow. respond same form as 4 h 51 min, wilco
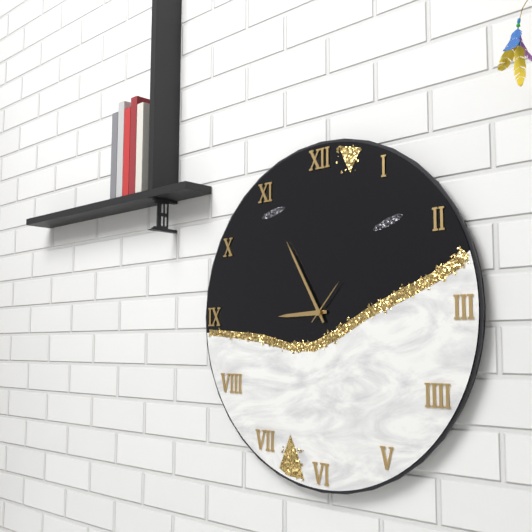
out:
8 h 55 min
